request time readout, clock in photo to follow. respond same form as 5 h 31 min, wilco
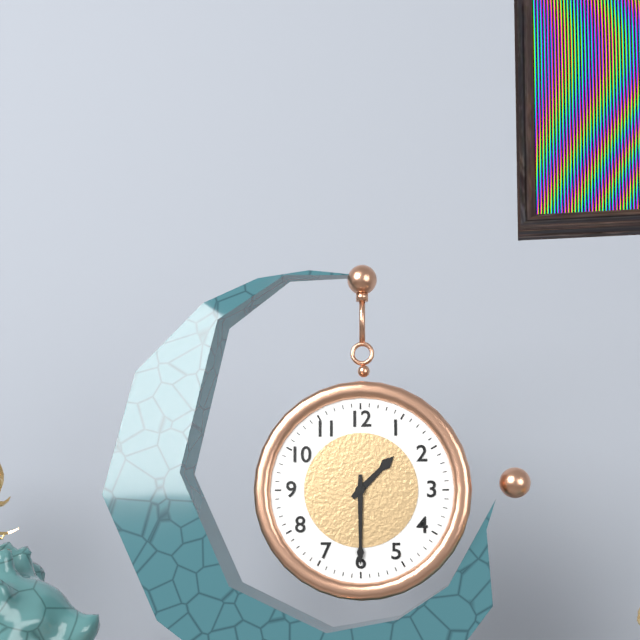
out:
1 h 30 min
